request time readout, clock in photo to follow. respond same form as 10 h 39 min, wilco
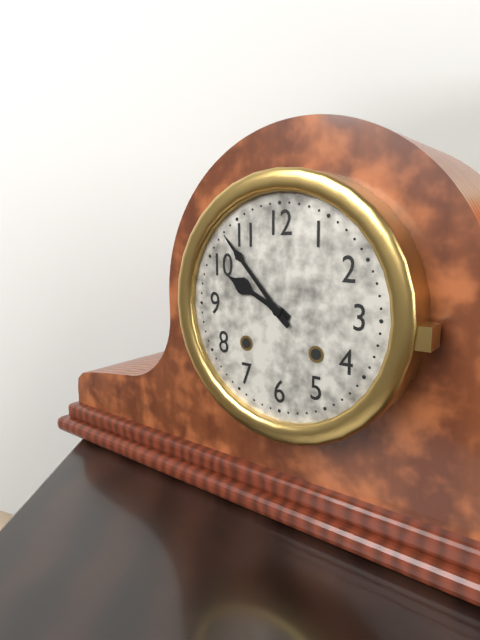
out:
9 h 53 min
